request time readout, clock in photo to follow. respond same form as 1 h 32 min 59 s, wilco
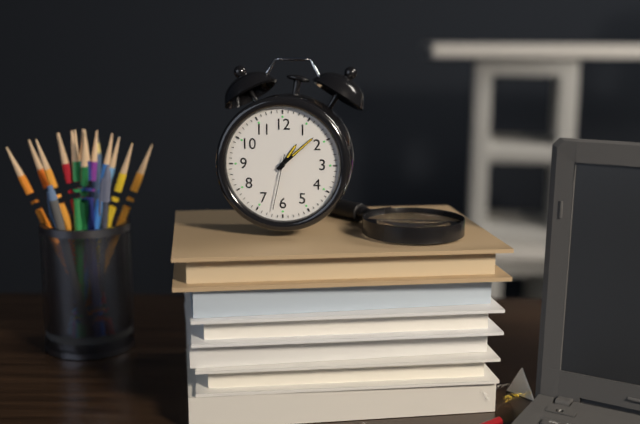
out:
1 h 08 min 32 s
